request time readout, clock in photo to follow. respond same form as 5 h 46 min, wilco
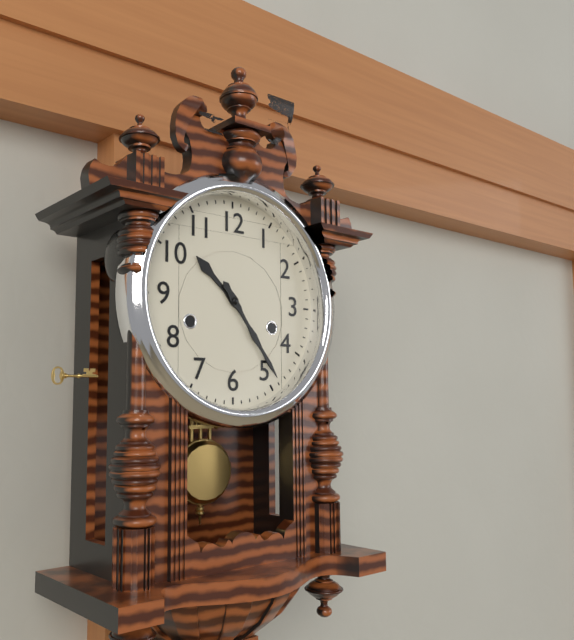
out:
10 h 24 min
